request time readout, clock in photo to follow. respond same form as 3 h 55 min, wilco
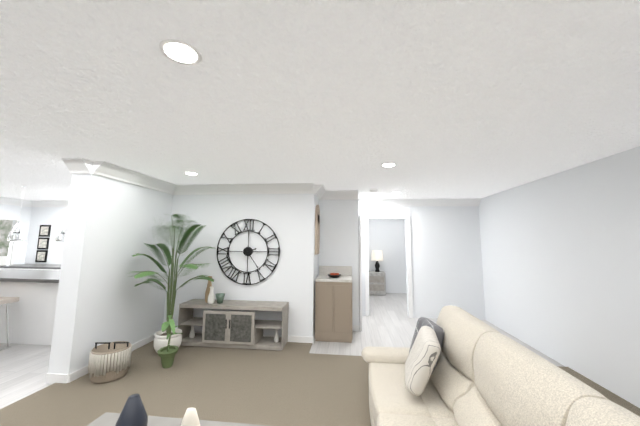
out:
2 h 24 min
